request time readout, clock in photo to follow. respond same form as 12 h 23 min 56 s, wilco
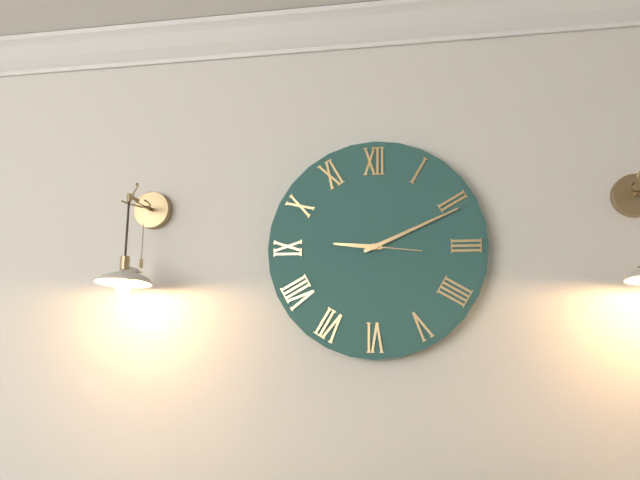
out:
9 h 11 min 16 s
